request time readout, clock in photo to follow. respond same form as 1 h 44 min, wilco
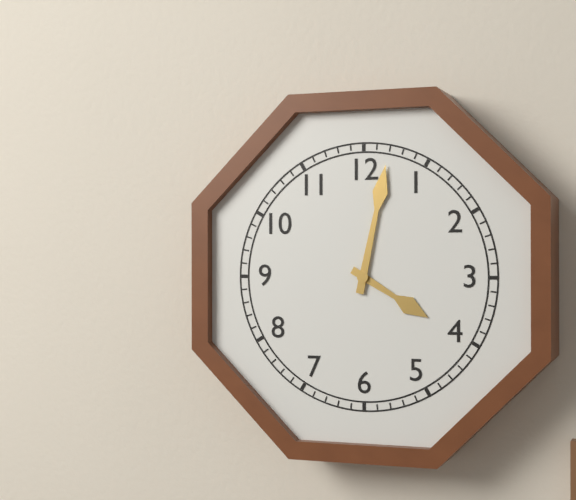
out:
4 h 02 min
